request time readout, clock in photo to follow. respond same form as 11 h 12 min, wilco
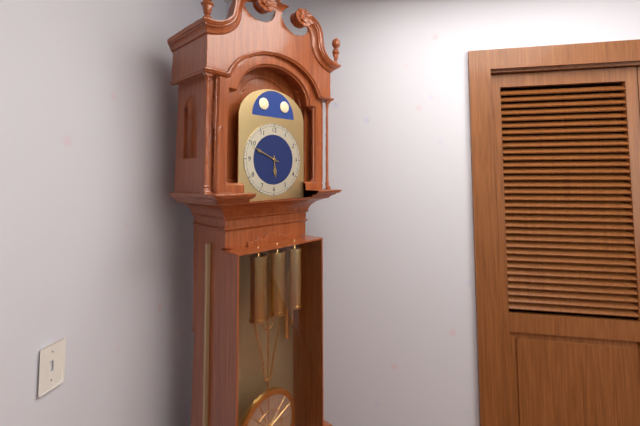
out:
5 h 49 min
